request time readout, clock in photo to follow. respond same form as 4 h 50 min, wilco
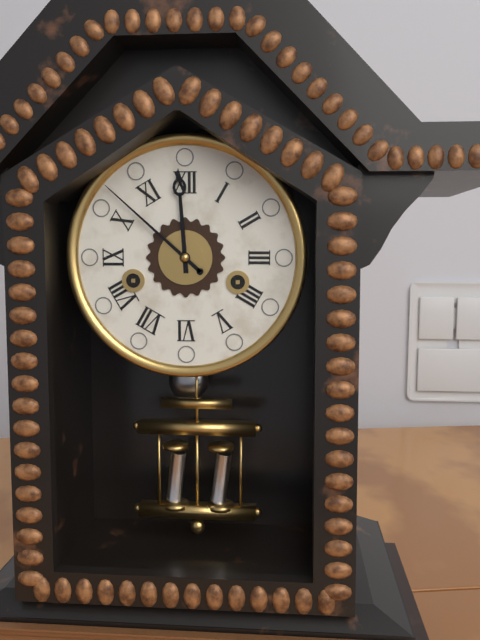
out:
11 h 52 min
